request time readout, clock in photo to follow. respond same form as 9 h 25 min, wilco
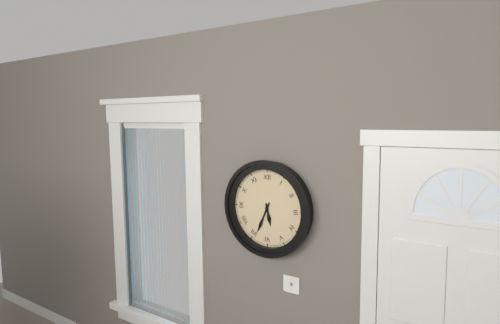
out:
5 h 34 min
